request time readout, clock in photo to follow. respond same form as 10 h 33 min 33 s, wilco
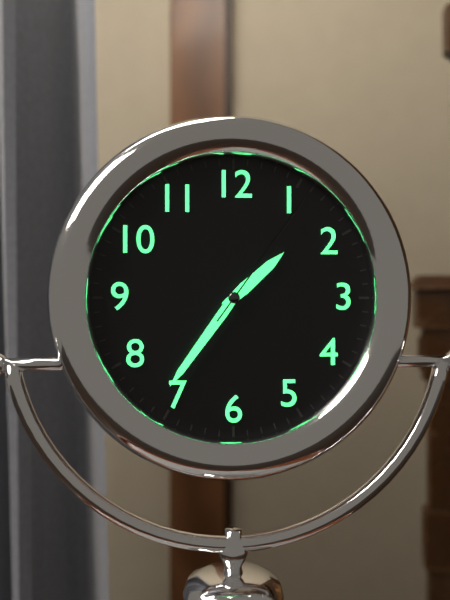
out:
1 h 36 min 06 s
